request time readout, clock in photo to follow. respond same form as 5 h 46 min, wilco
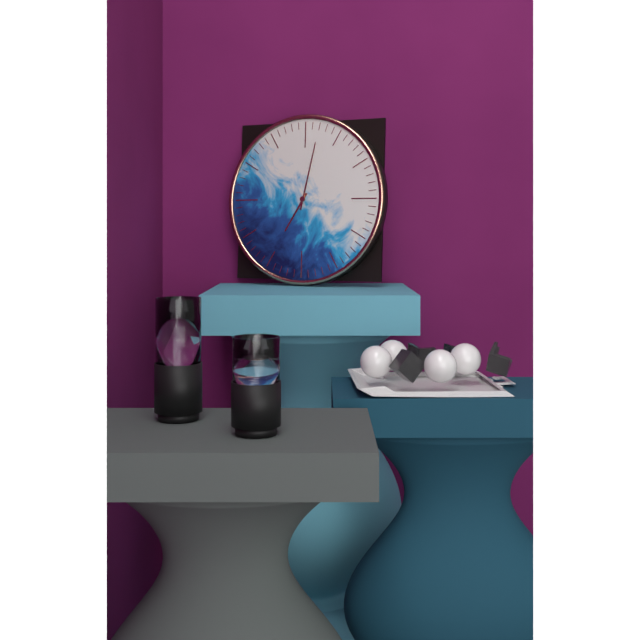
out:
7 h 02 min
